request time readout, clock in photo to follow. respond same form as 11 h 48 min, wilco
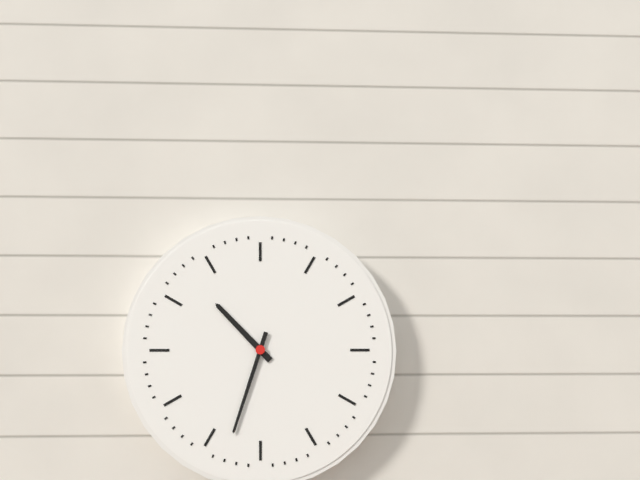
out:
10 h 33 min
